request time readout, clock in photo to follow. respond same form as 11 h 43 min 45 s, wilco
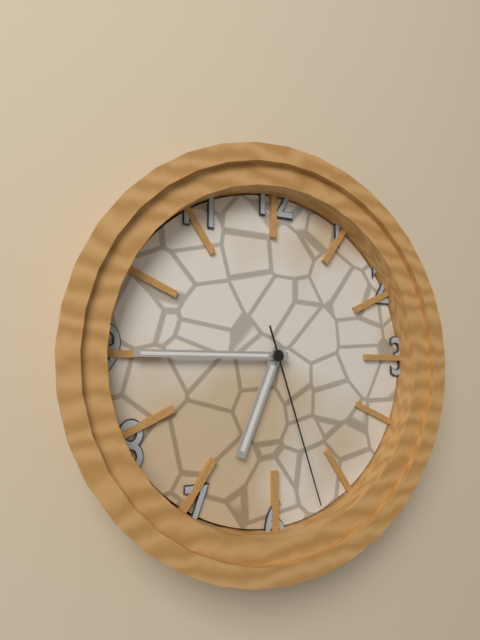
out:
6 h 45 min 27 s
